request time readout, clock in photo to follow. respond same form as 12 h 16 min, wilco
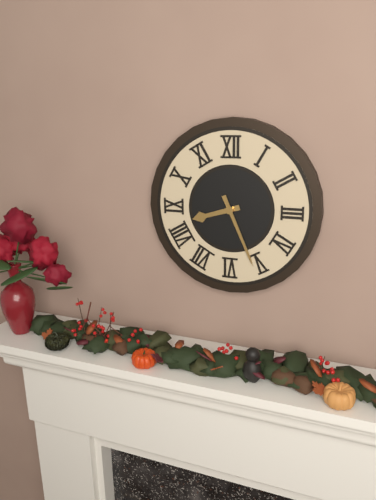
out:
8 h 26 min
